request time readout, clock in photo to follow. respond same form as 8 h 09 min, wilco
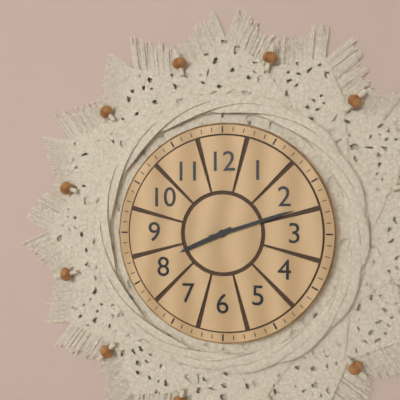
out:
8 h 12 min
